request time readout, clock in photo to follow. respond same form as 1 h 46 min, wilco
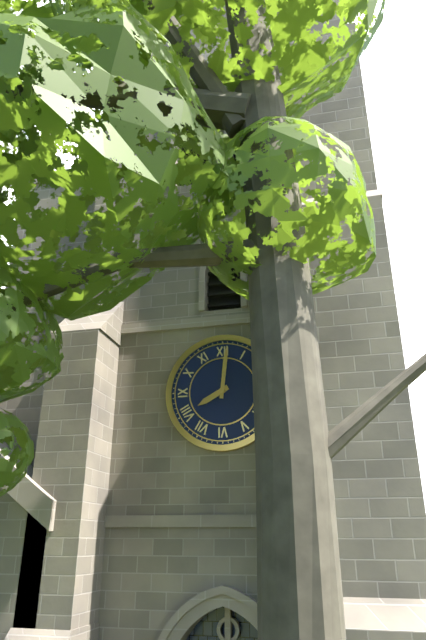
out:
8 h 01 min
